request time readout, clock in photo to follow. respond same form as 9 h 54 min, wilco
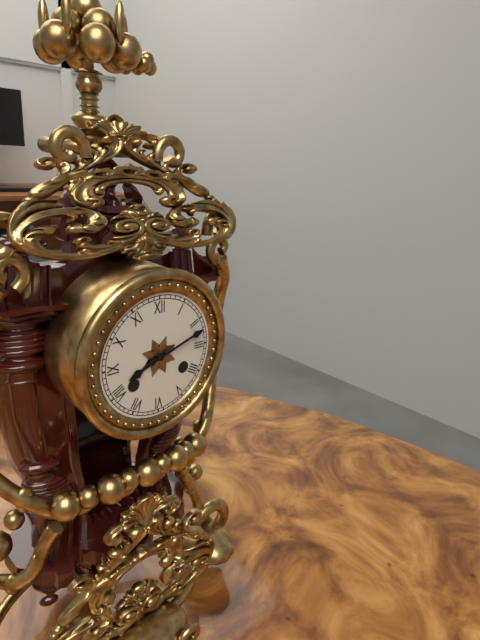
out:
8 h 12 min
